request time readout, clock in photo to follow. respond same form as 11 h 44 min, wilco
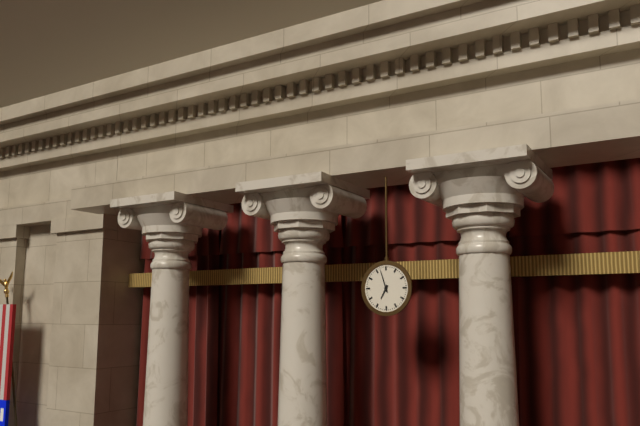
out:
6 h 57 min
